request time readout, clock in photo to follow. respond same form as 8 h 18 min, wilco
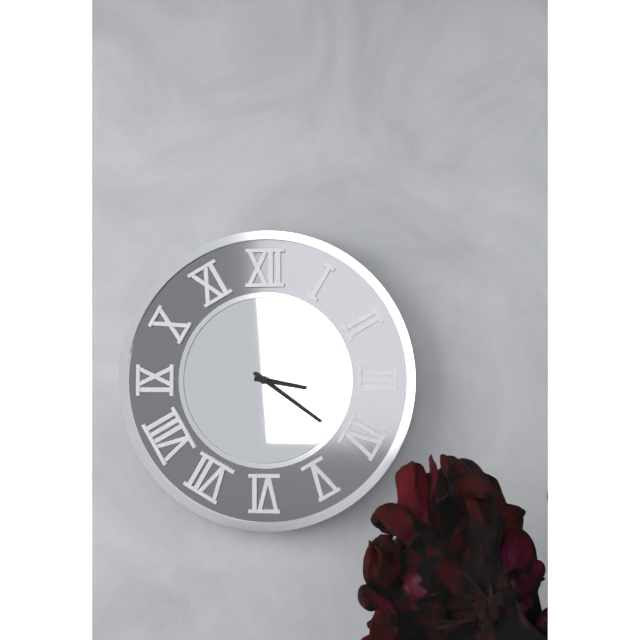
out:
3 h 21 min
